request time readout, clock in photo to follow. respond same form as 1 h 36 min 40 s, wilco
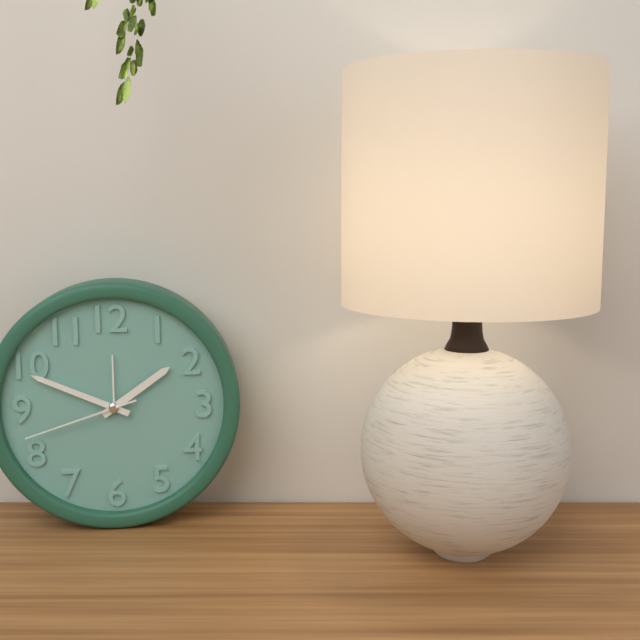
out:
1 h 49 min 42 s
